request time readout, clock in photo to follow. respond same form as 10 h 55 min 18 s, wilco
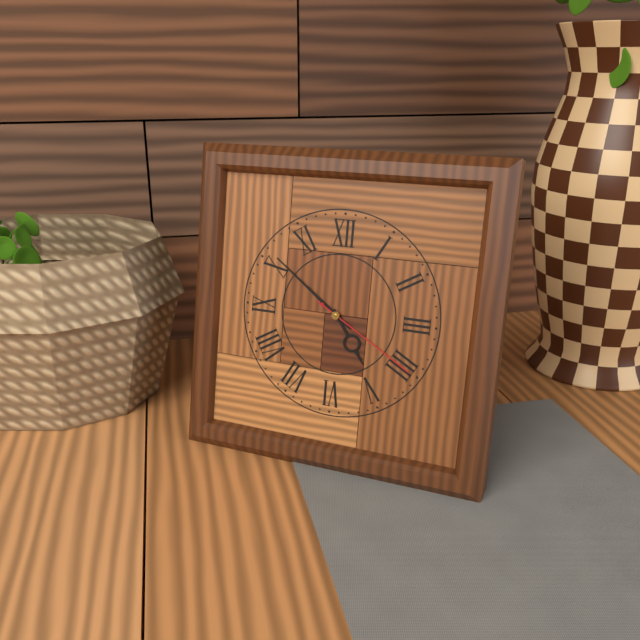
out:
4 h 51 min 20 s
